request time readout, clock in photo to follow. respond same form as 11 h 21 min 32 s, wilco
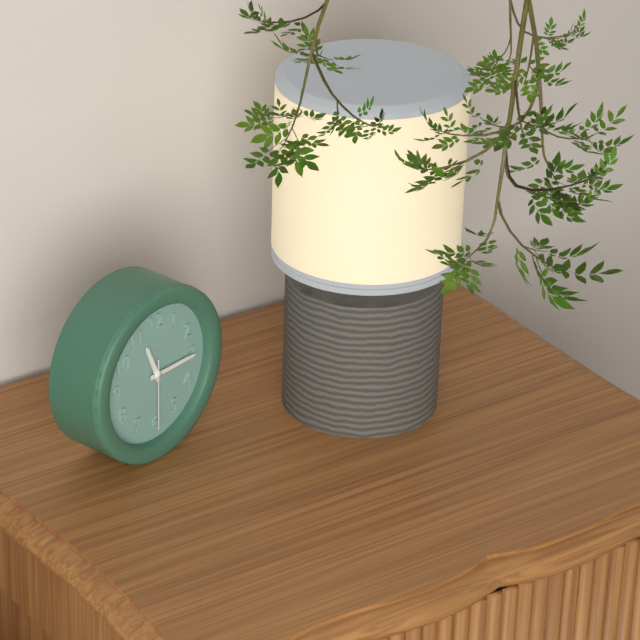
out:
11 h 15 min 30 s
